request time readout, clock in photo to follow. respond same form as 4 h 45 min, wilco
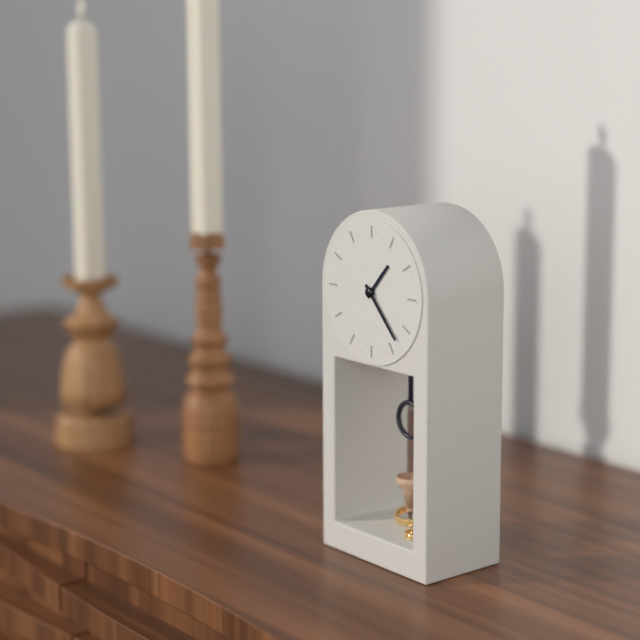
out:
1 h 23 min
